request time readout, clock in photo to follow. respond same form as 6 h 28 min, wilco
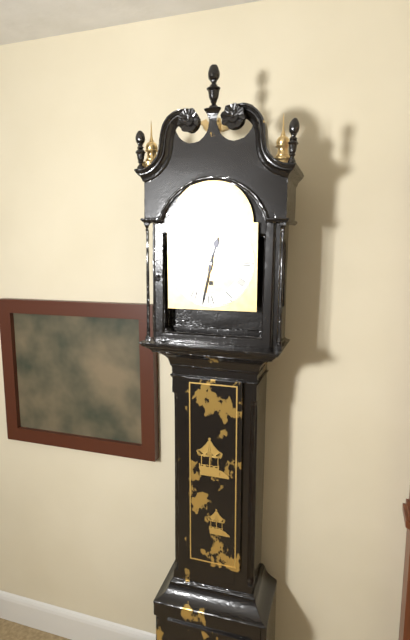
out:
12 h 32 min
